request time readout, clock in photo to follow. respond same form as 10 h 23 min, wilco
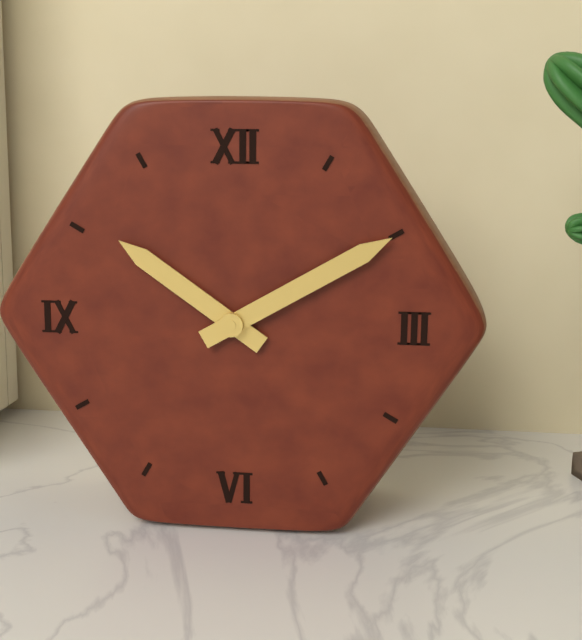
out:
10 h 10 min
